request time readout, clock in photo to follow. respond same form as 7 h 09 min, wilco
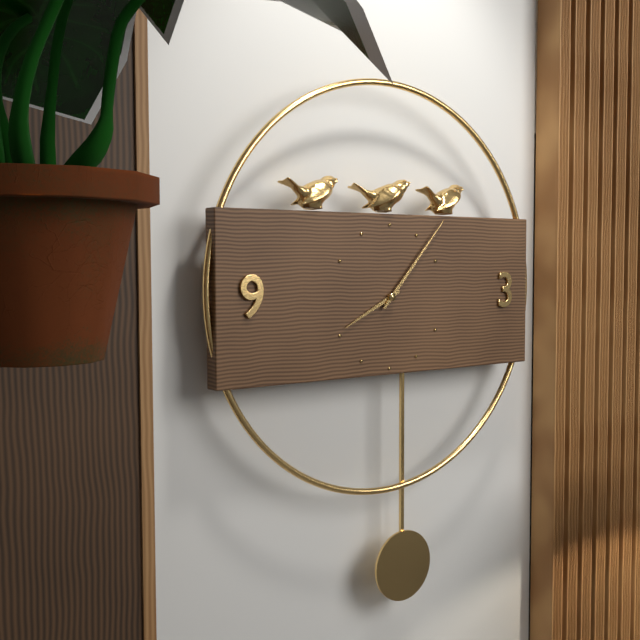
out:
8 h 07 min
